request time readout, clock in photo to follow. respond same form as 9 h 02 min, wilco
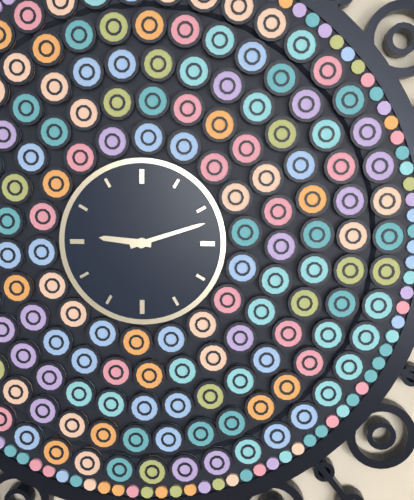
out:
9 h 12 min
